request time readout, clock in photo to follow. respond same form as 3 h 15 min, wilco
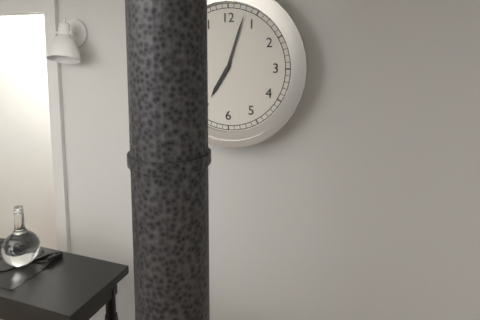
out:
7 h 03 min
